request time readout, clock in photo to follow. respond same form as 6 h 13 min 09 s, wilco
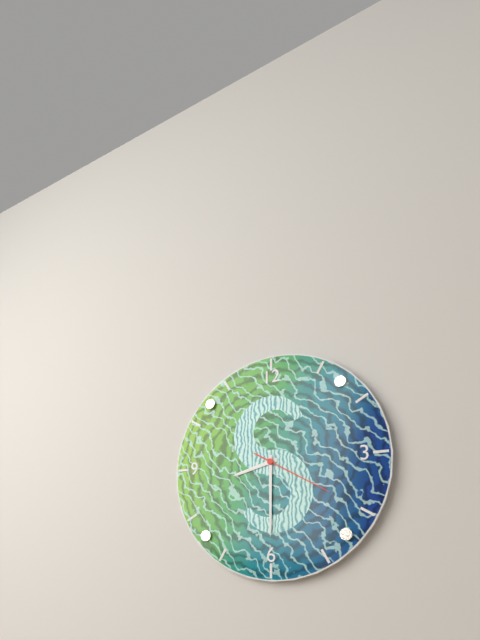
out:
8 h 30 min 20 s
